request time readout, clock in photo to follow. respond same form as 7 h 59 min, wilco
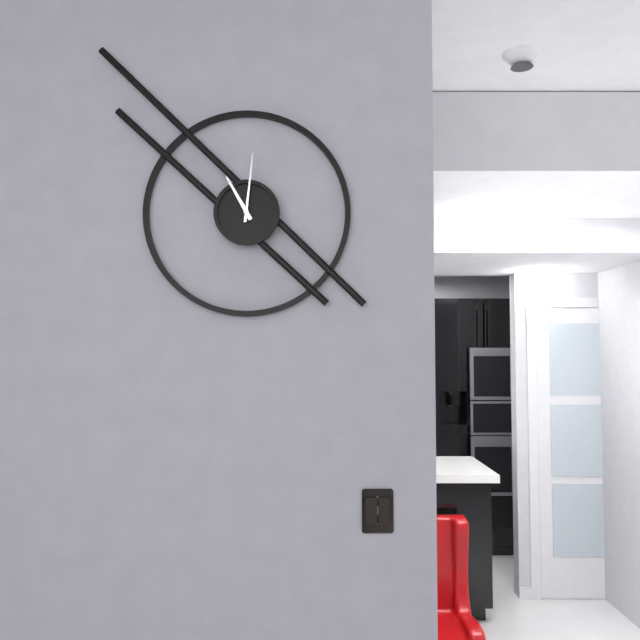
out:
11 h 01 min
